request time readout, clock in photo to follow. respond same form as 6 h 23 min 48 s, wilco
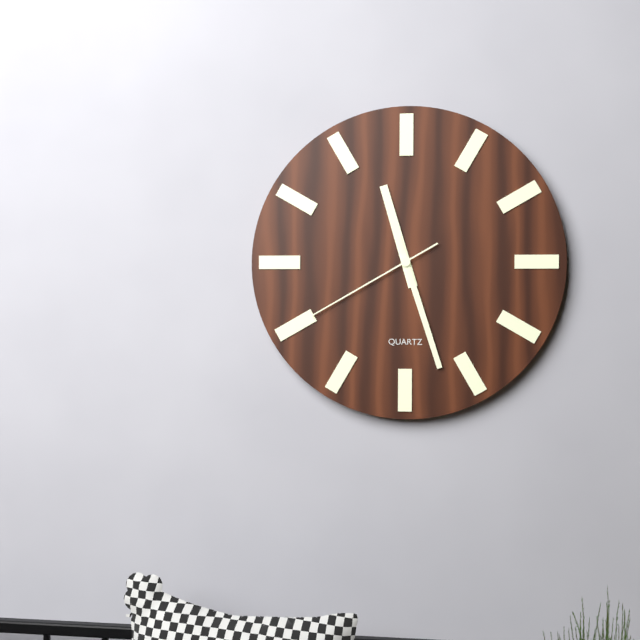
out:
11 h 27 min 40 s
